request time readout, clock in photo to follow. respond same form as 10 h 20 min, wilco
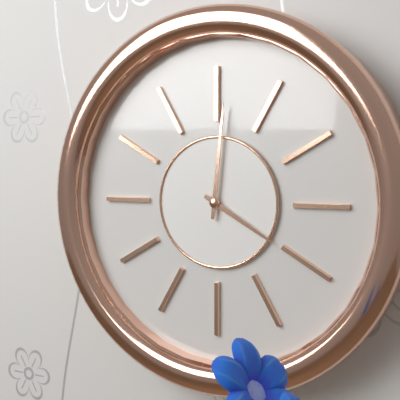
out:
4 h 01 min
